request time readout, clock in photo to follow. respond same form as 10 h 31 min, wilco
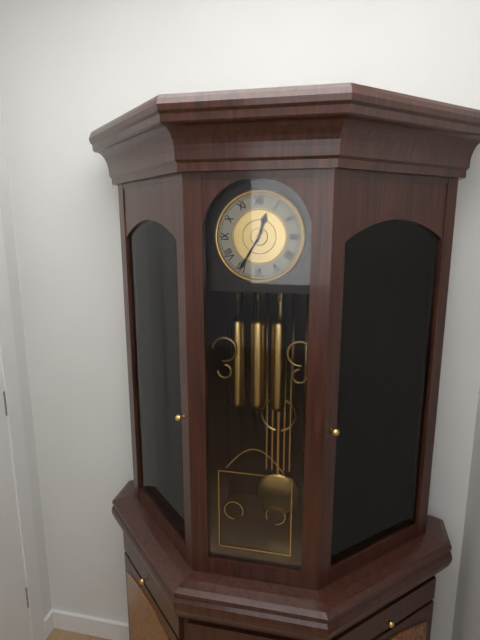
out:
12 h 35 min
